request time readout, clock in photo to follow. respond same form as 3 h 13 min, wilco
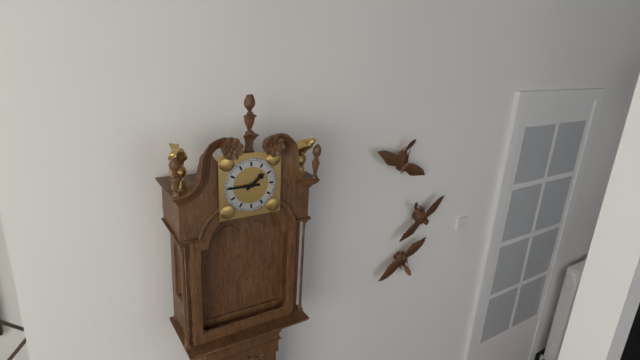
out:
1 h 45 min
